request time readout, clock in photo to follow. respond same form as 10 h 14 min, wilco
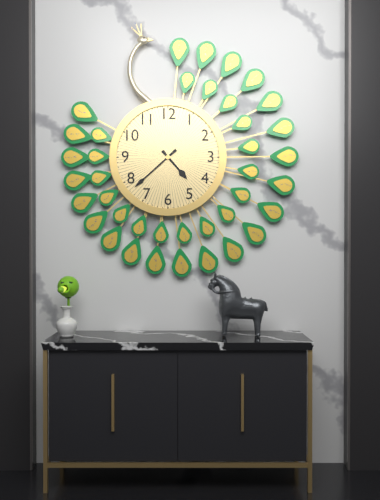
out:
4 h 38 min
